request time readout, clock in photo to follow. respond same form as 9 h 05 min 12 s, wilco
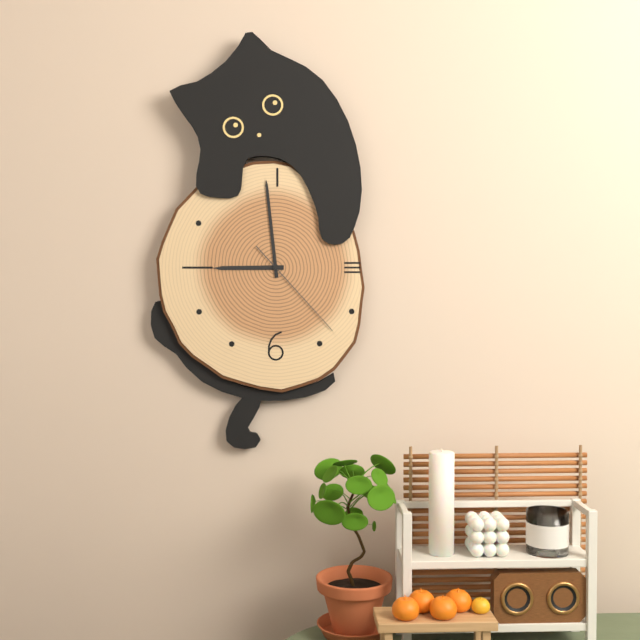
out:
8 h 59 min 23 s
